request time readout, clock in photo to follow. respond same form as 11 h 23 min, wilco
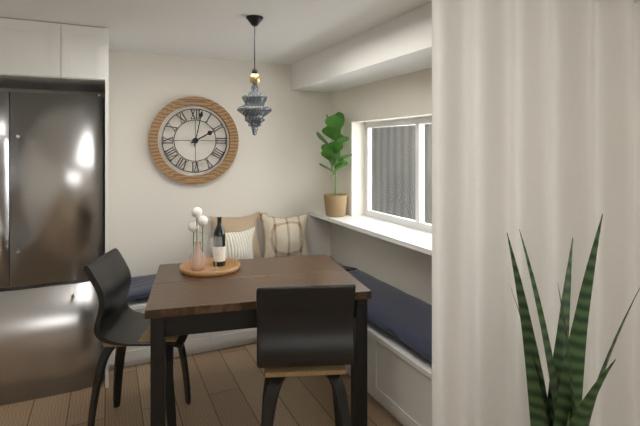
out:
2 h 02 min
